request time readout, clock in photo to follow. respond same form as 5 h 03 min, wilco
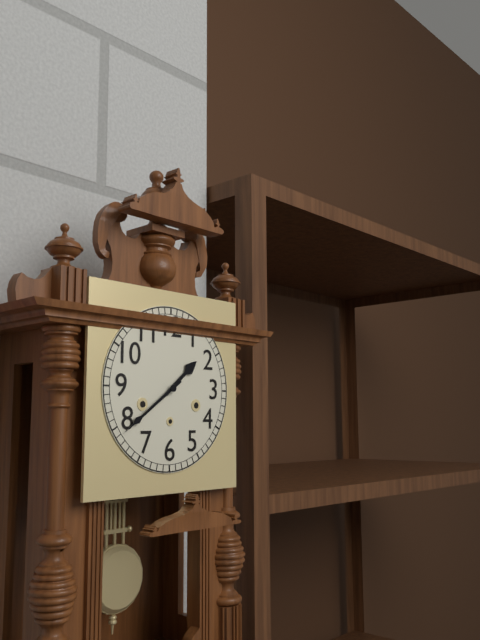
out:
1 h 39 min
